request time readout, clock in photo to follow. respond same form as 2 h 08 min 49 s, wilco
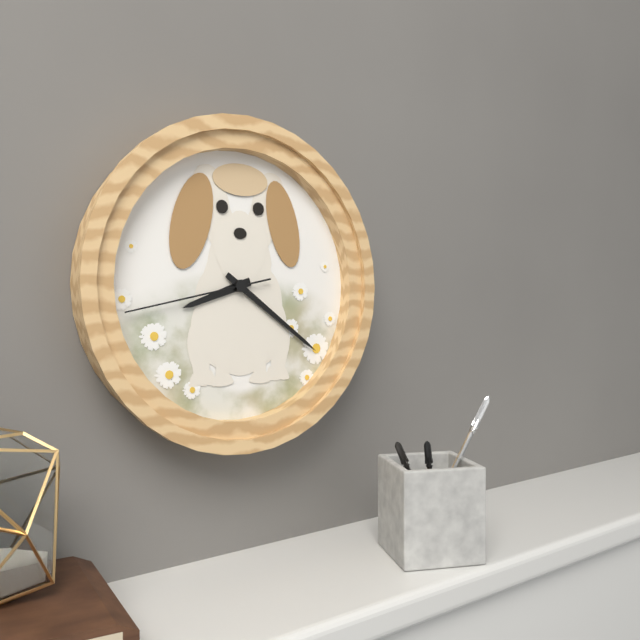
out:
8 h 21 min 43 s
